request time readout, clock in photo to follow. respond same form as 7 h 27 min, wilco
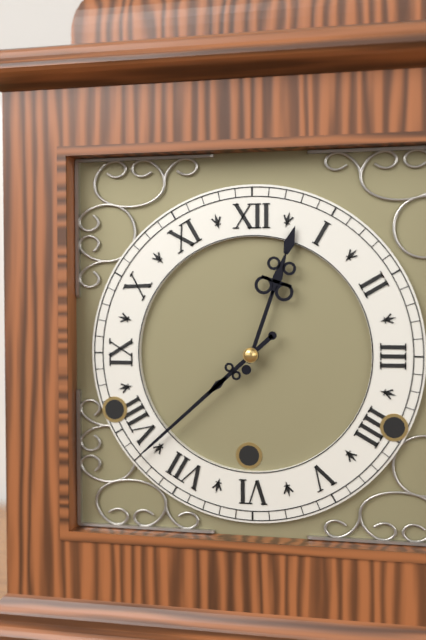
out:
12 h 38 min
